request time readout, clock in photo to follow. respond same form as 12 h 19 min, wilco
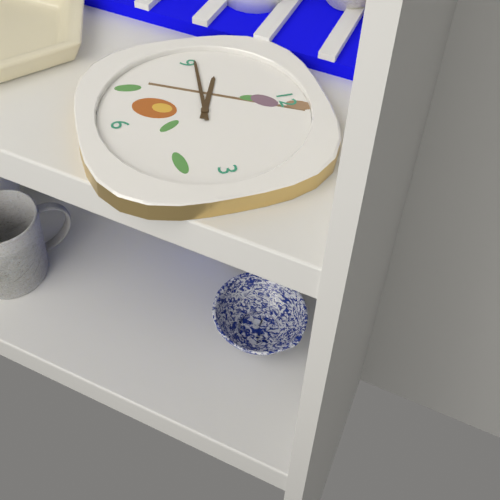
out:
9 h 46 min
